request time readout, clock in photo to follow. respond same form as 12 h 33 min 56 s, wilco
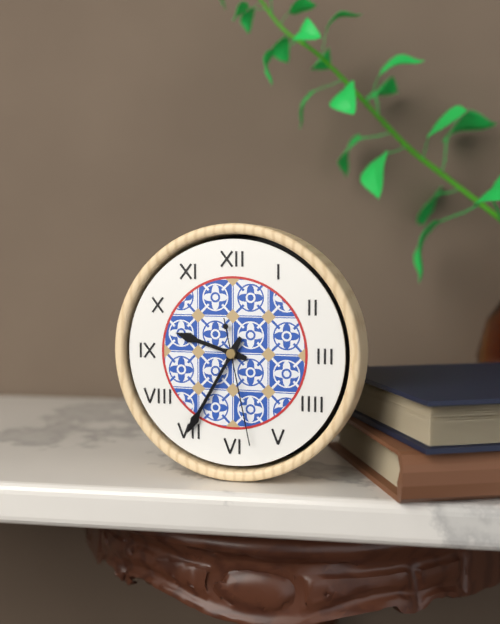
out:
9 h 35 min 28 s
